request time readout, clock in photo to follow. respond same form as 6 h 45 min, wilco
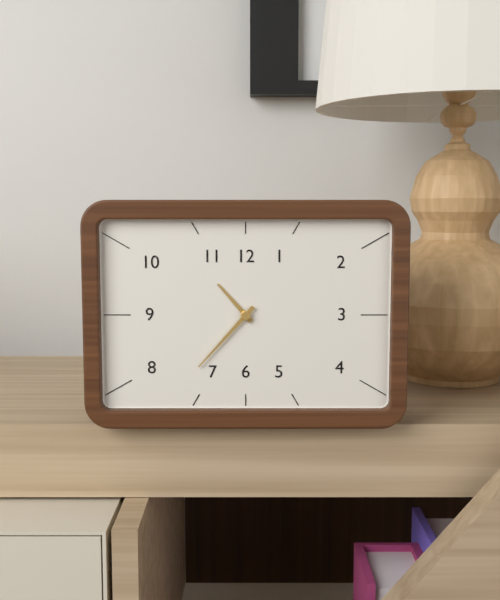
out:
10 h 37 min
